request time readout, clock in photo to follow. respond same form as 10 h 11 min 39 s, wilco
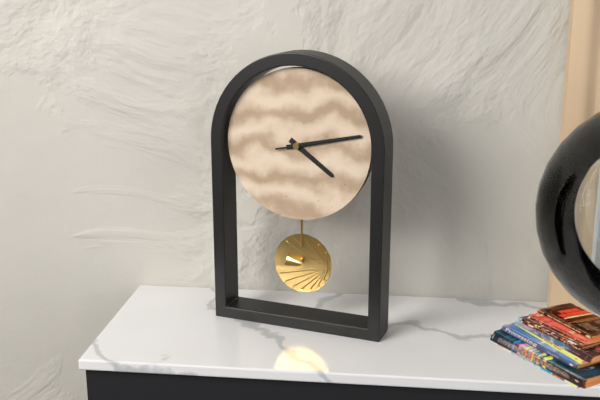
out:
4 h 13 min 13 s
